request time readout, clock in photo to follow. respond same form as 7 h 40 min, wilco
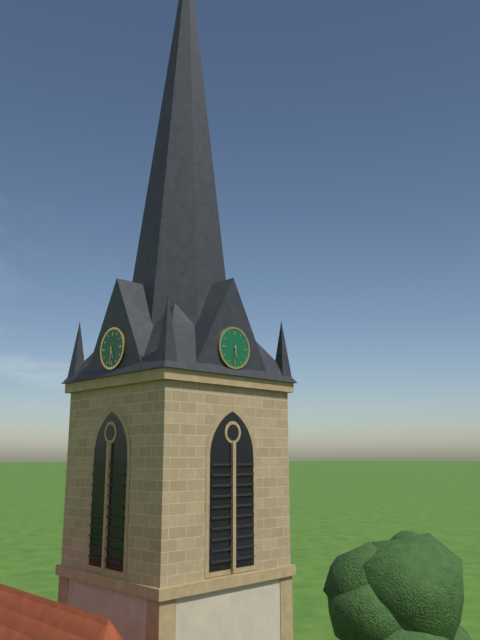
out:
5 h 31 min
